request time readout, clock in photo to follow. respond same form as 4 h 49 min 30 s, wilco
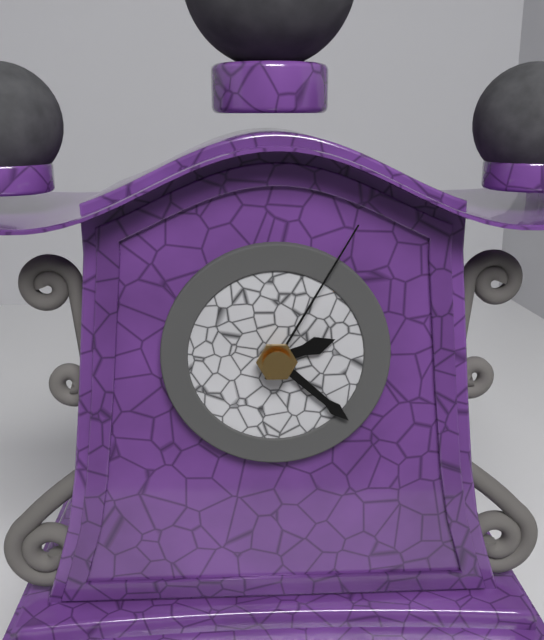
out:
2 h 22 min 05 s
